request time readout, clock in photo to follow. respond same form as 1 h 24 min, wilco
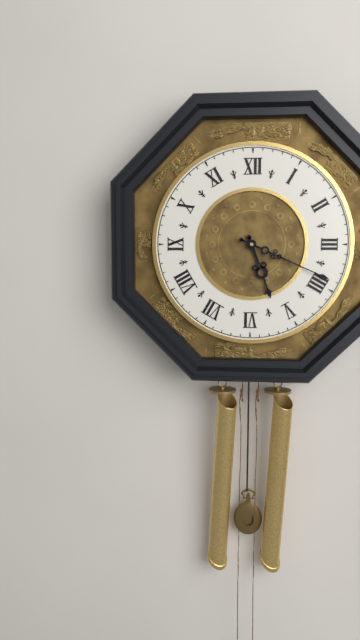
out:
5 h 19 min
